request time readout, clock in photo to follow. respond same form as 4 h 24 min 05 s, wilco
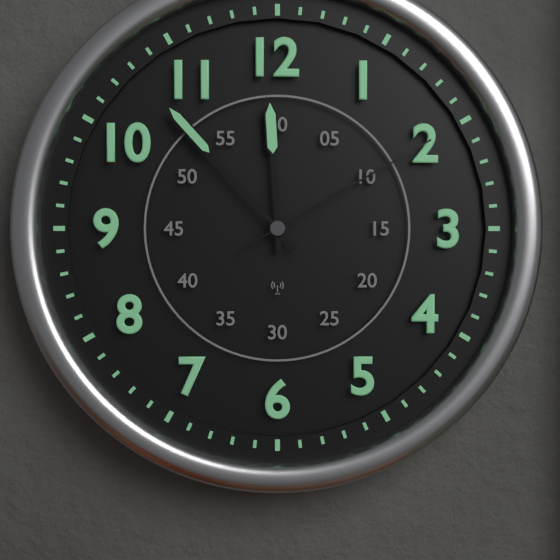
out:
11 h 53 min 10 s
